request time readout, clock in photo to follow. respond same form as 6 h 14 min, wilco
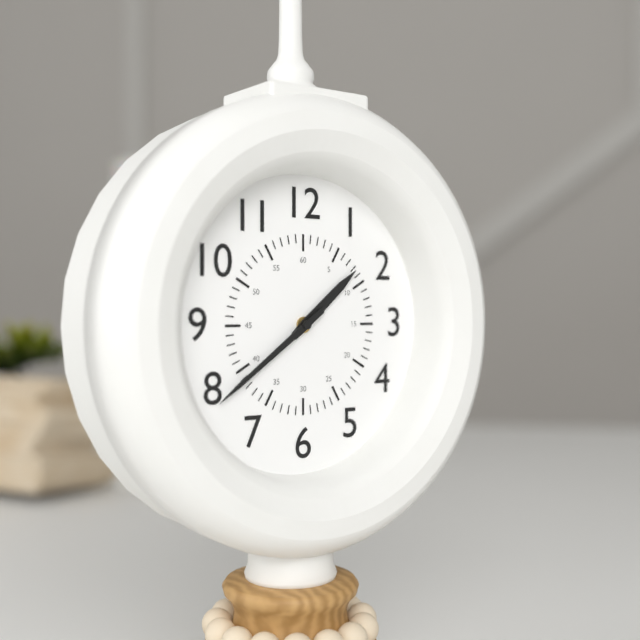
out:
1 h 39 min
